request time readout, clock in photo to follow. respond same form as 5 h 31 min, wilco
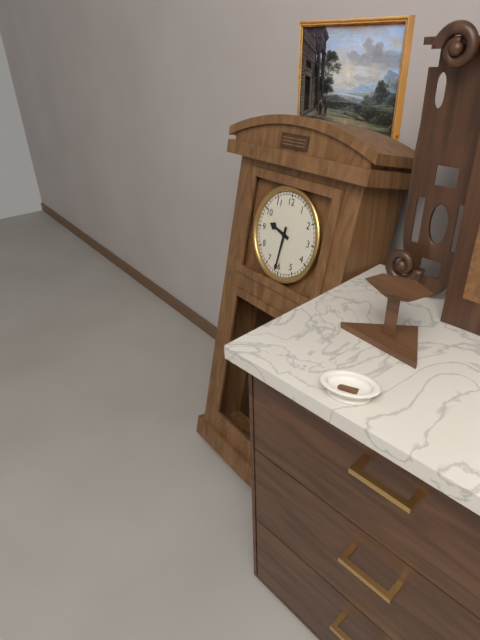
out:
9 h 31 min
